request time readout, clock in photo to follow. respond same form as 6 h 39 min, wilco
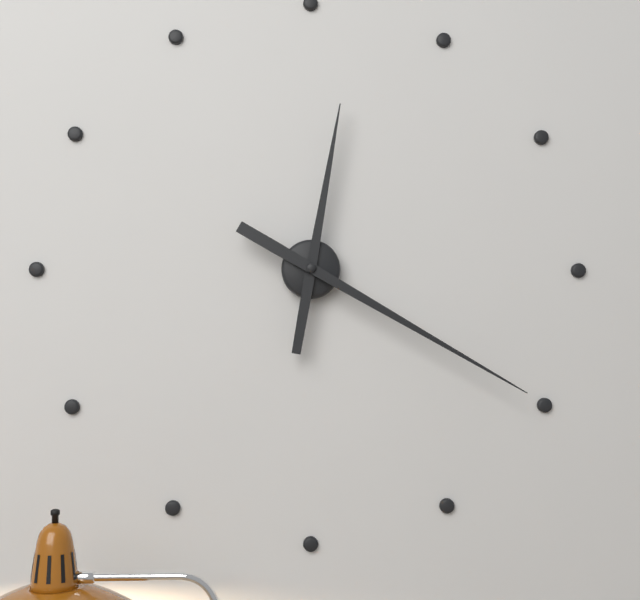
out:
12 h 20 min
